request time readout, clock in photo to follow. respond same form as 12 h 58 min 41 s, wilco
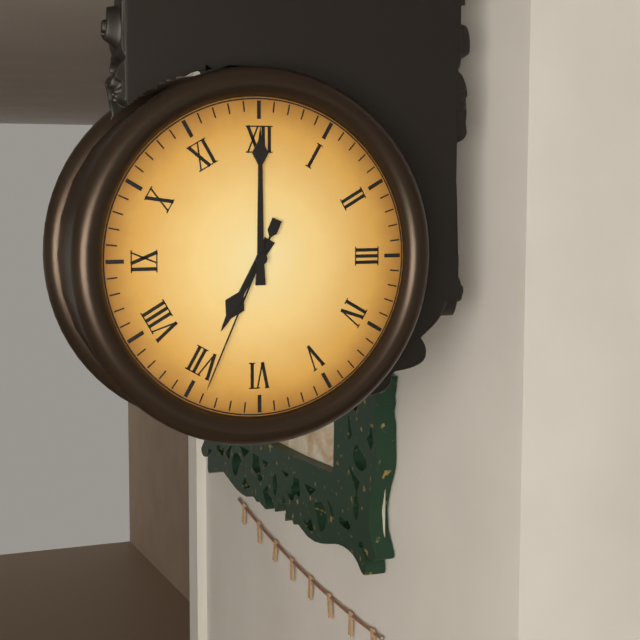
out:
7 h 00 min 34 s
